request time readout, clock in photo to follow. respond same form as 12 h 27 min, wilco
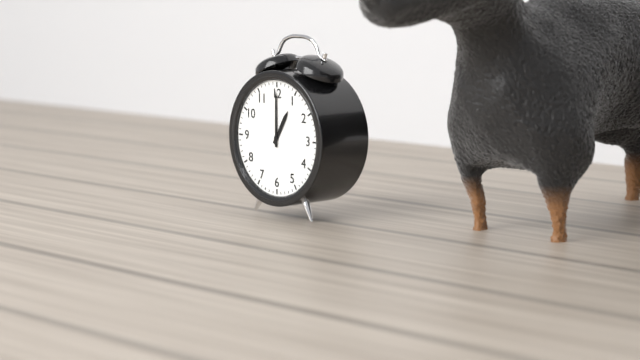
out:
1 h 00 min
